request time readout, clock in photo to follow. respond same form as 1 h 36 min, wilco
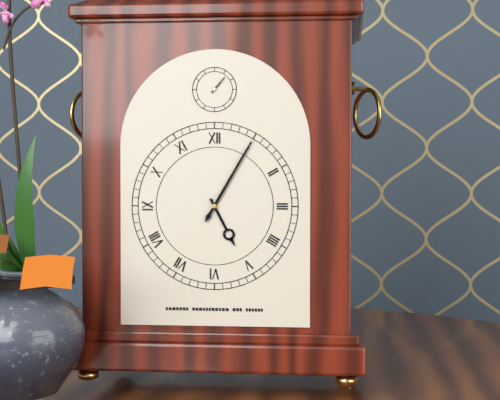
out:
5 h 05 min
